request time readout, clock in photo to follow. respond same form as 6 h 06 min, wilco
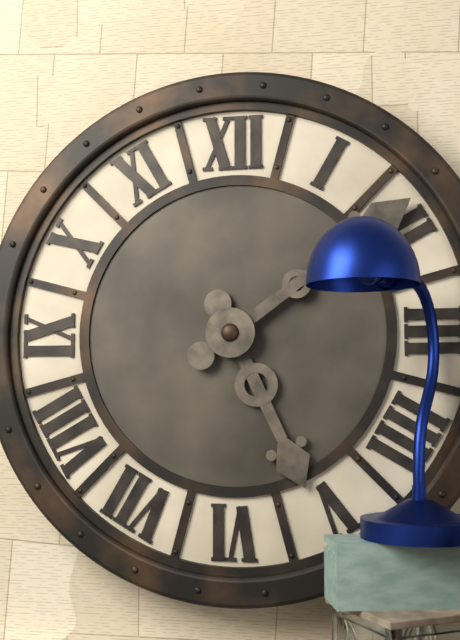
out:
5 h 09 min
